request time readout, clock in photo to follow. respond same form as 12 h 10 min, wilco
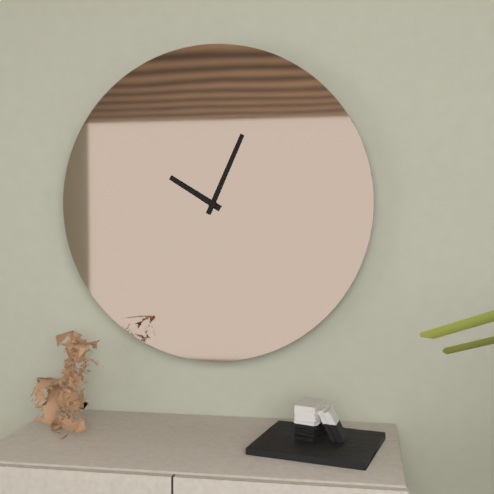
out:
10 h 04 min
